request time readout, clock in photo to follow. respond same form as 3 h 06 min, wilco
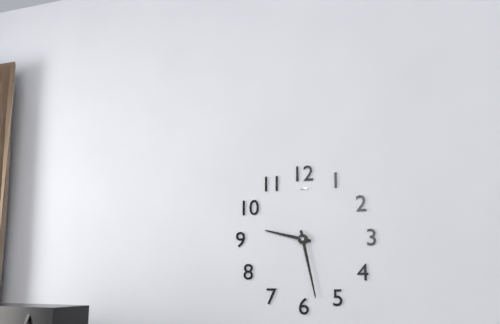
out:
9 h 28 min
